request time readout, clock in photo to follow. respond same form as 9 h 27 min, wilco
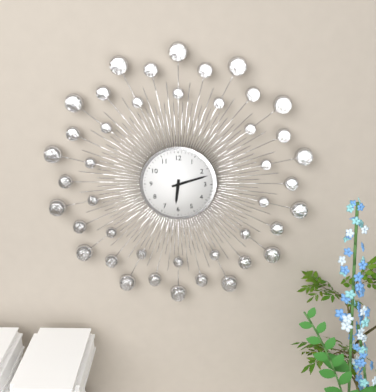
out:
6 h 12 min
